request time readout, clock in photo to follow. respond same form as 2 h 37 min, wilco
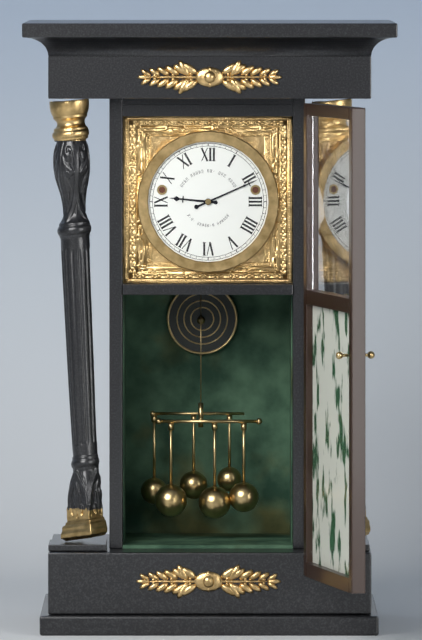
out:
9 h 11 min
